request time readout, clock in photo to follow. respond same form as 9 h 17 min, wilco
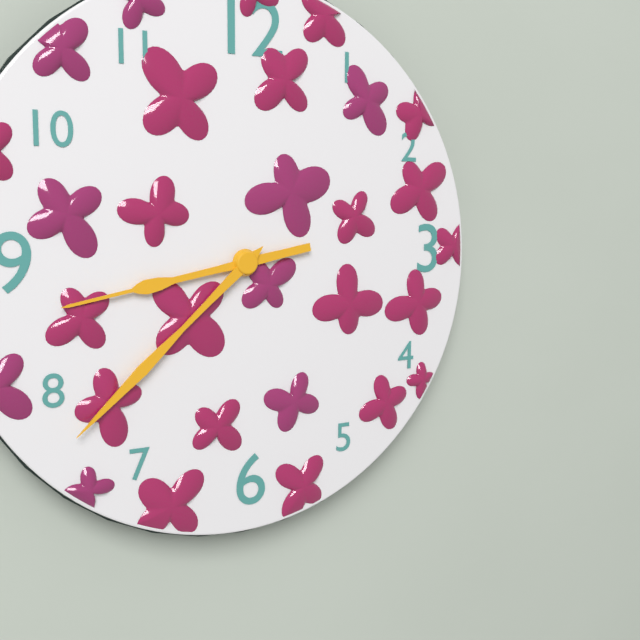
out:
8 h 38 min
